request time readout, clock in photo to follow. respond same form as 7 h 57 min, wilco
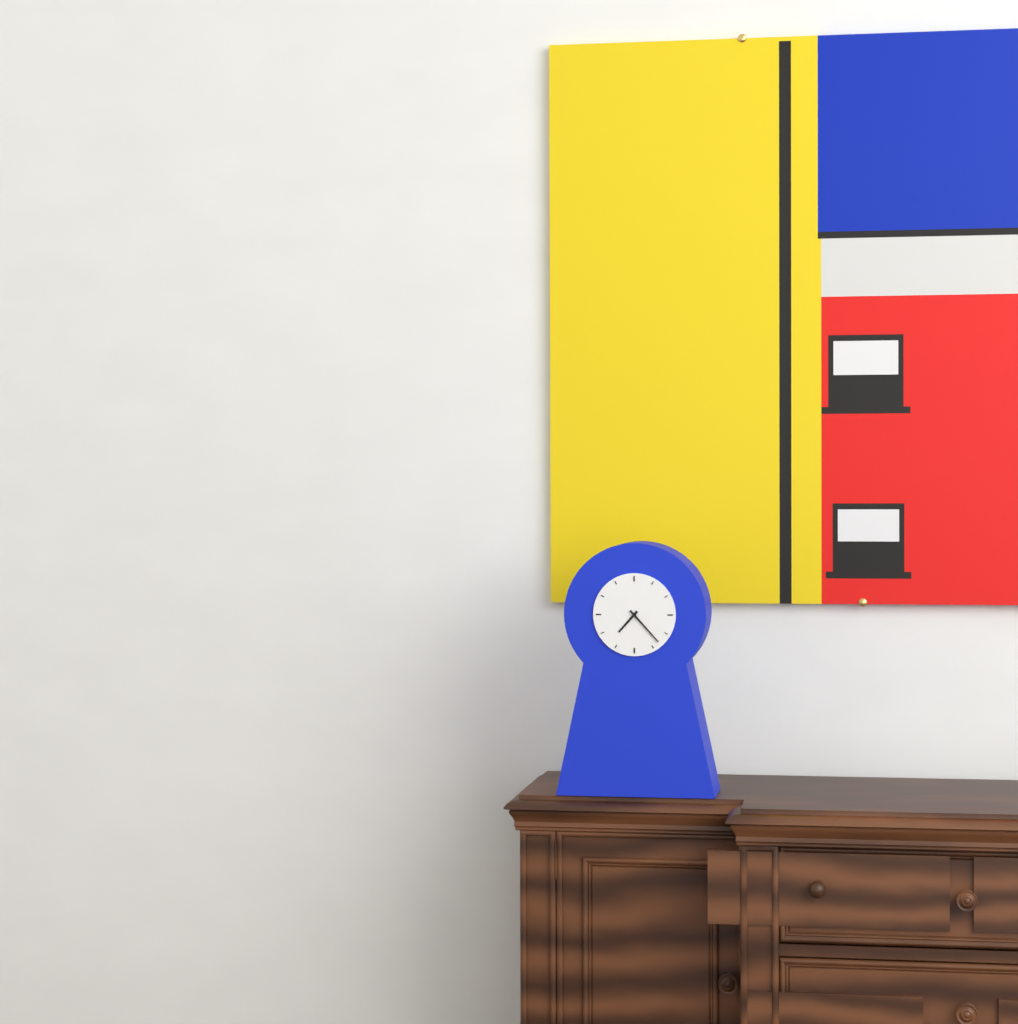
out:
7 h 23 min
